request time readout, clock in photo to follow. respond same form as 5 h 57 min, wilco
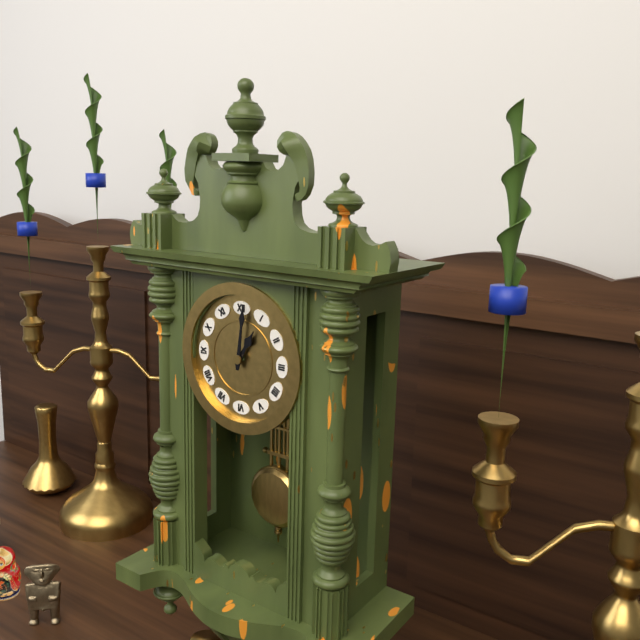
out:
1 h 01 min
